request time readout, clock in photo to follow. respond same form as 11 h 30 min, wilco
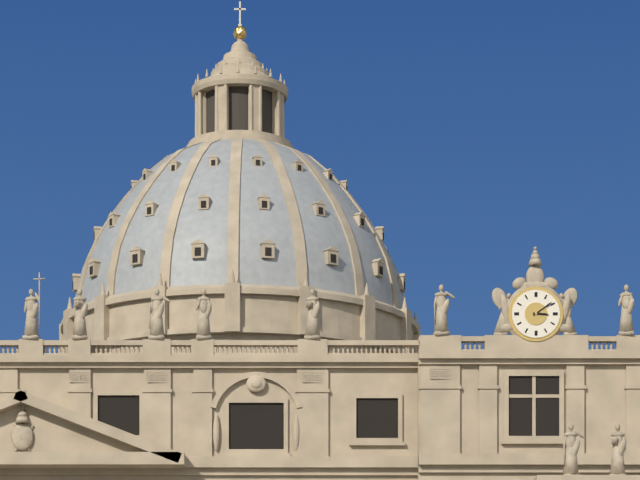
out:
3 h 09 min
